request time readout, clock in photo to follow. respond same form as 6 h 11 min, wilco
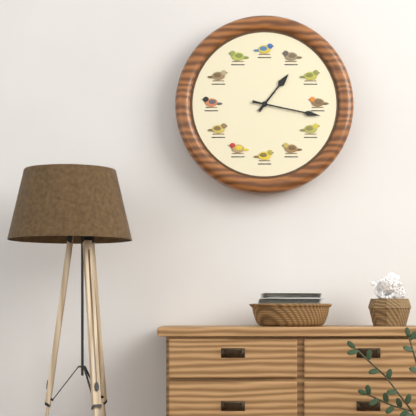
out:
1 h 17 min
